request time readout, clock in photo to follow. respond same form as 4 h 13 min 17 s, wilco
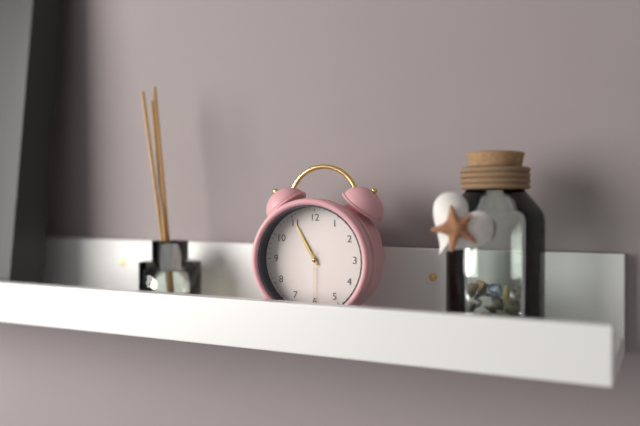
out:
10 h 55 min 30 s
